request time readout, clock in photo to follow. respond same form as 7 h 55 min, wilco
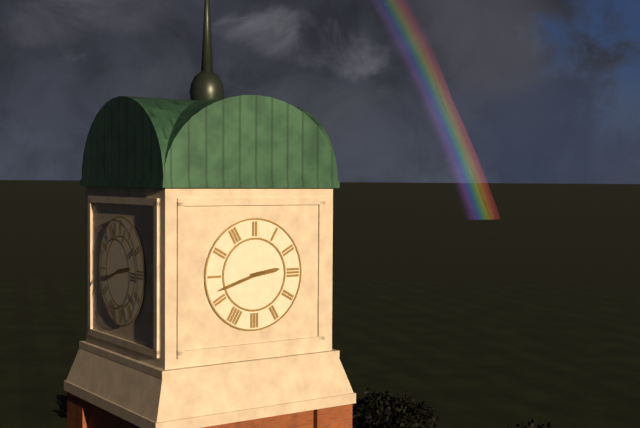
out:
2 h 42 min
